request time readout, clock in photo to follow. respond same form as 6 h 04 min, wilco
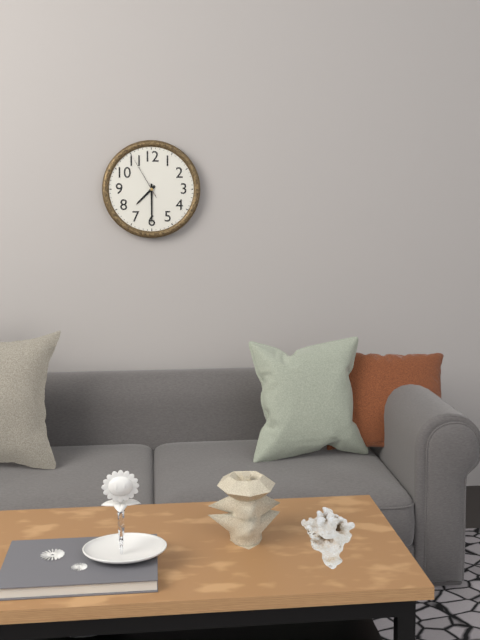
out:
7 h 30 min
